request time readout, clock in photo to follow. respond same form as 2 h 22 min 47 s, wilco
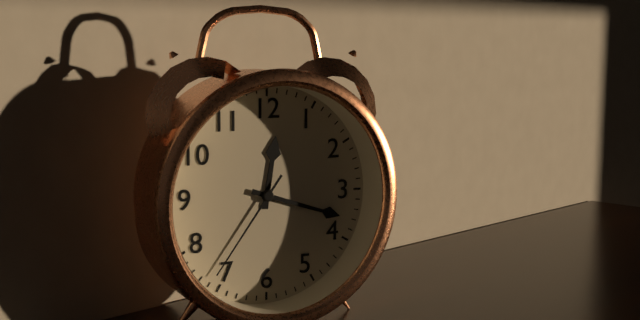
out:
12 h 18 min 36 s
